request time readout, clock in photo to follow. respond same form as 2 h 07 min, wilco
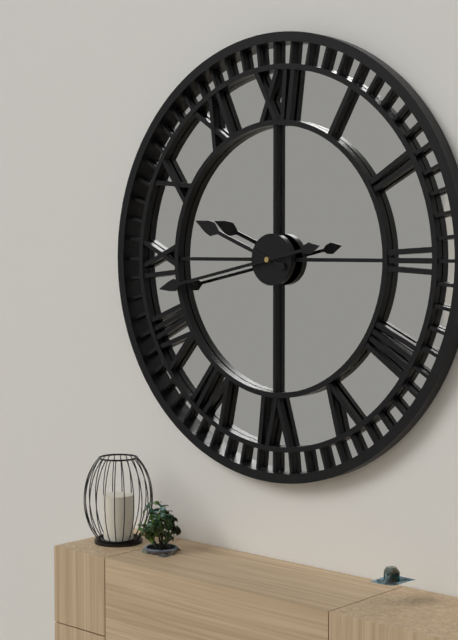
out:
9 h 43 min
